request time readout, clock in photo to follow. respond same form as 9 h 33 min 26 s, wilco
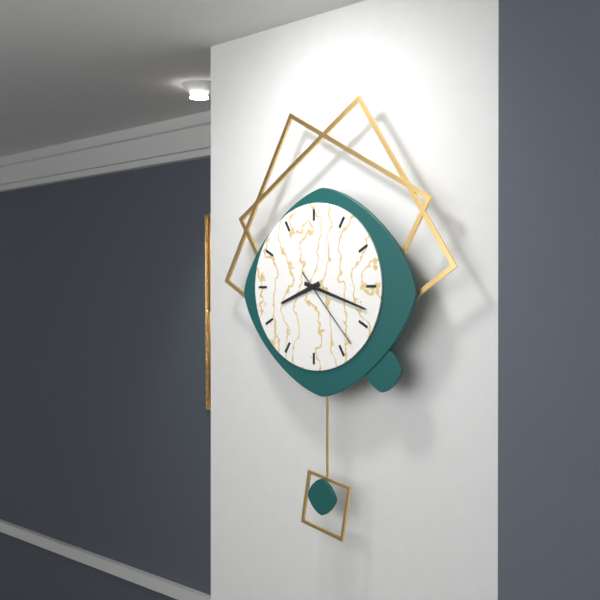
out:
8 h 18 min 23 s
